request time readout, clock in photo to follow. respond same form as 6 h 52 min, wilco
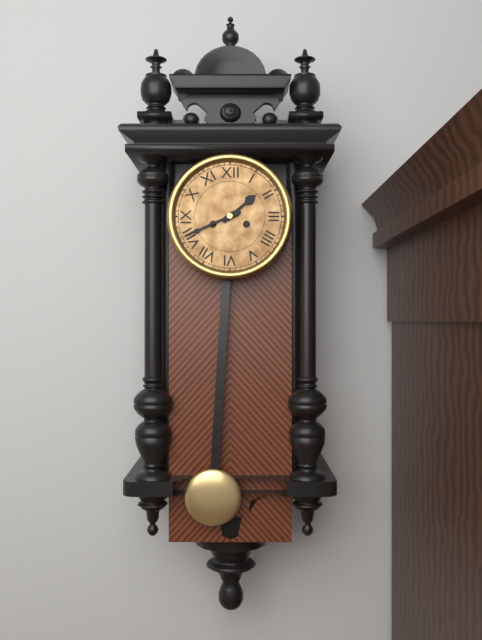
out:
1 h 41 min
